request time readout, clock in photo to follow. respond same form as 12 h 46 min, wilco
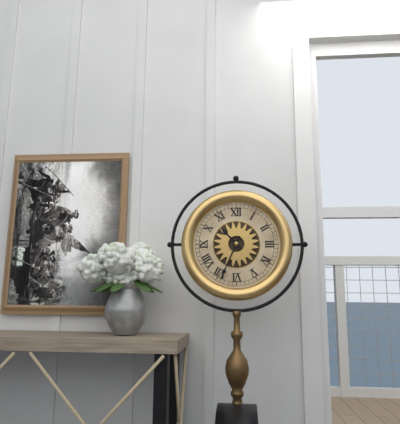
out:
10 h 34 min
